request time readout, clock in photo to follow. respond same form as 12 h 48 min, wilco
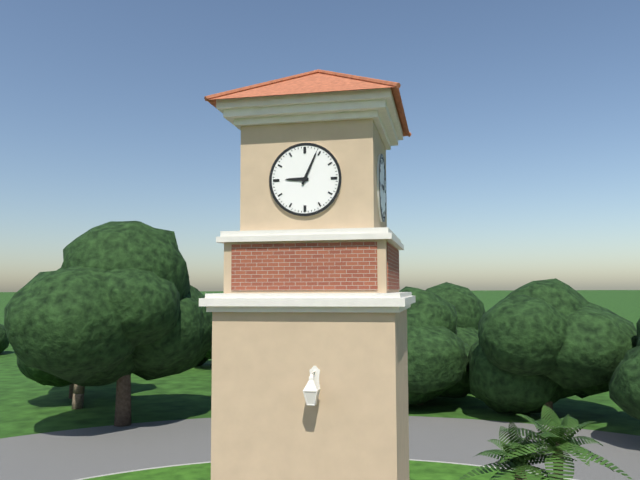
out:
9 h 04 min
